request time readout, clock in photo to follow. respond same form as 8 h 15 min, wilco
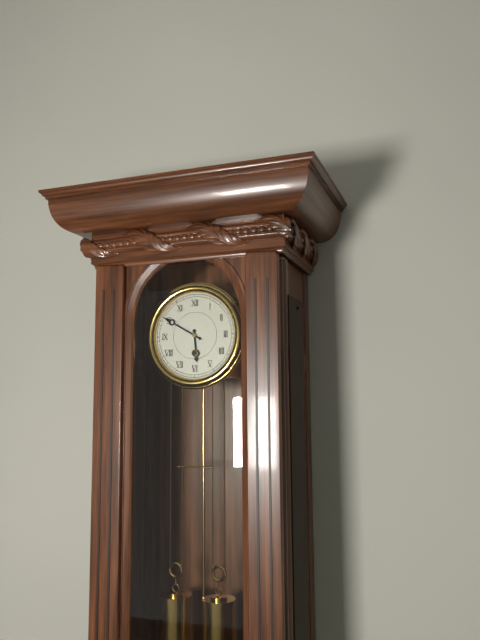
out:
5 h 50 min
